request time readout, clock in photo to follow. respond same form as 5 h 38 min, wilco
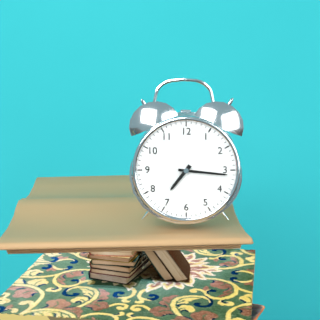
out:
7 h 16 min
